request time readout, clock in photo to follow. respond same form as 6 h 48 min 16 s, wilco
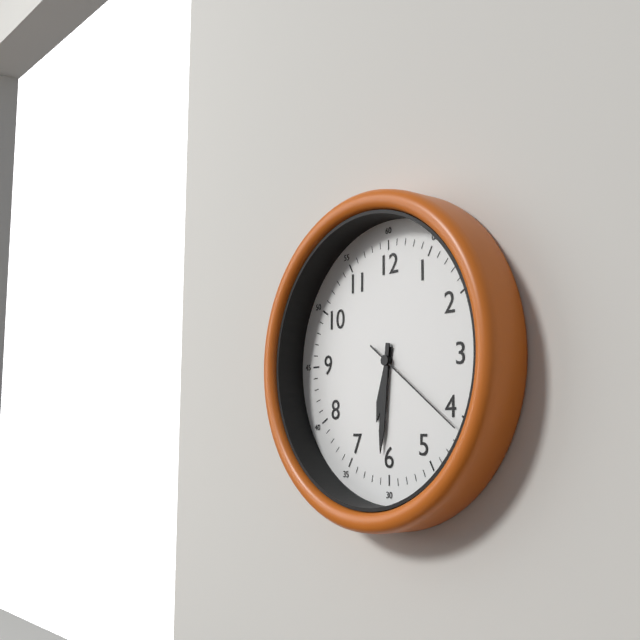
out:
6 h 31 min 21 s
